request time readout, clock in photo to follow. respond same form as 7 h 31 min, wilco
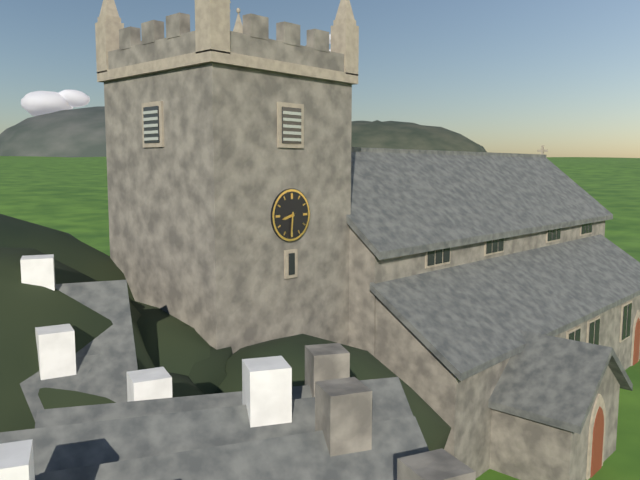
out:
8 h 31 min
